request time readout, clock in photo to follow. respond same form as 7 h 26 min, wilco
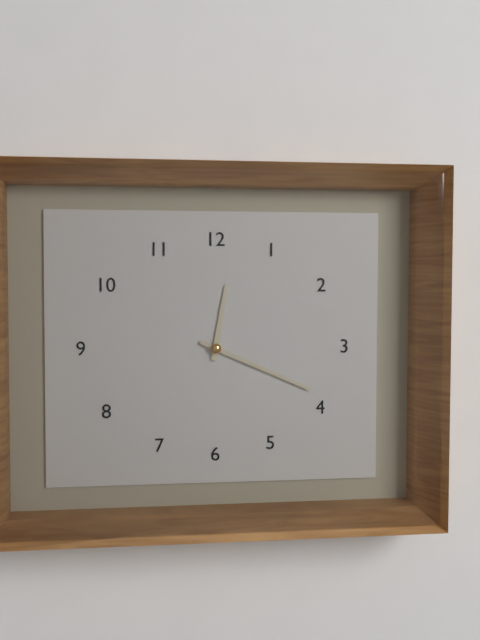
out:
12 h 19 min
